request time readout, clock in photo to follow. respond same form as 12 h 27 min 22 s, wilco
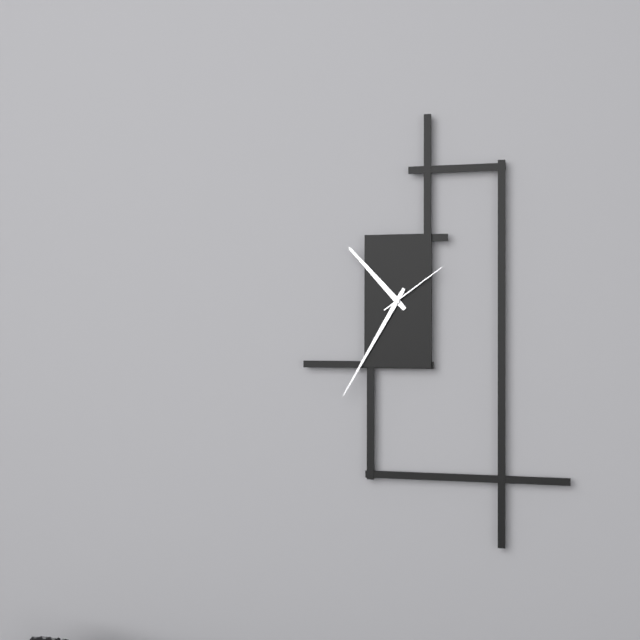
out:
10 h 35 min 09 s
